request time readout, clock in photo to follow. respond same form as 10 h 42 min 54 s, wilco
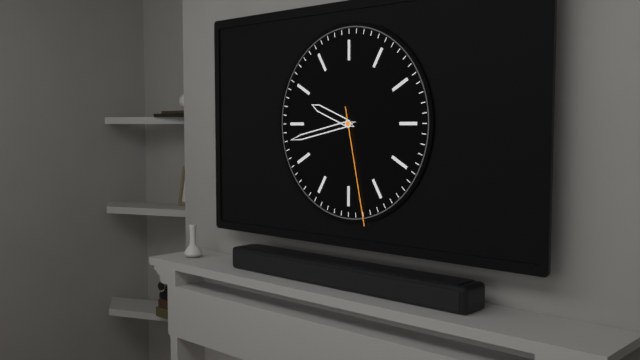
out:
9 h 43 min 28 s
